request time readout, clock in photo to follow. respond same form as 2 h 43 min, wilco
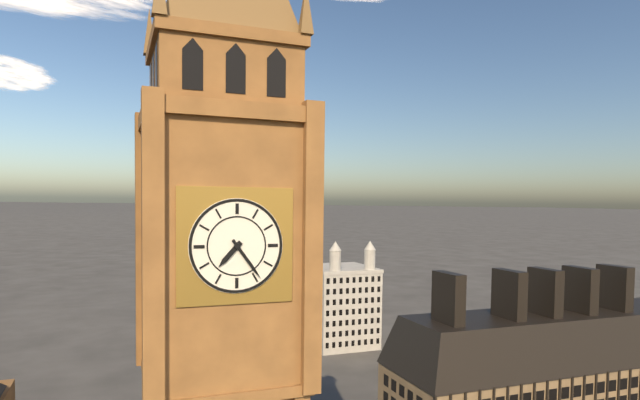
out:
7 h 24 min
